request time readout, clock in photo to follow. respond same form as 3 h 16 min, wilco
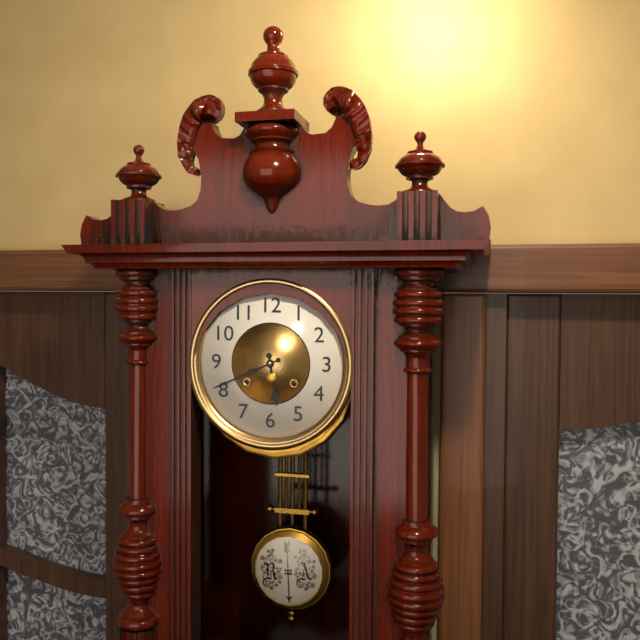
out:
5 h 41 min
